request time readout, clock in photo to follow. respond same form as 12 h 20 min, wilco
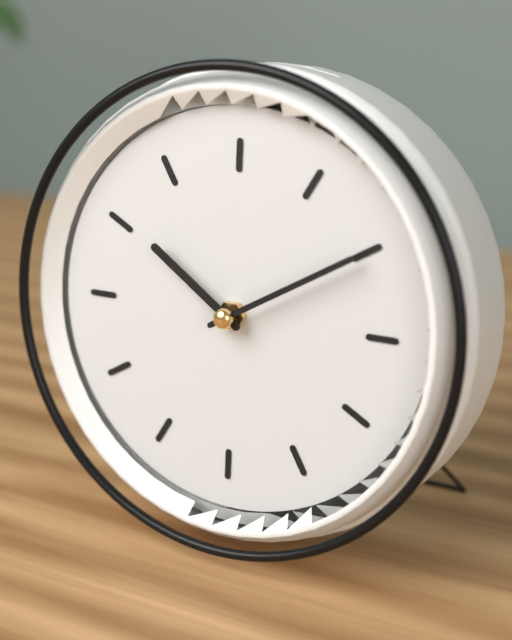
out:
10 h 10 min
